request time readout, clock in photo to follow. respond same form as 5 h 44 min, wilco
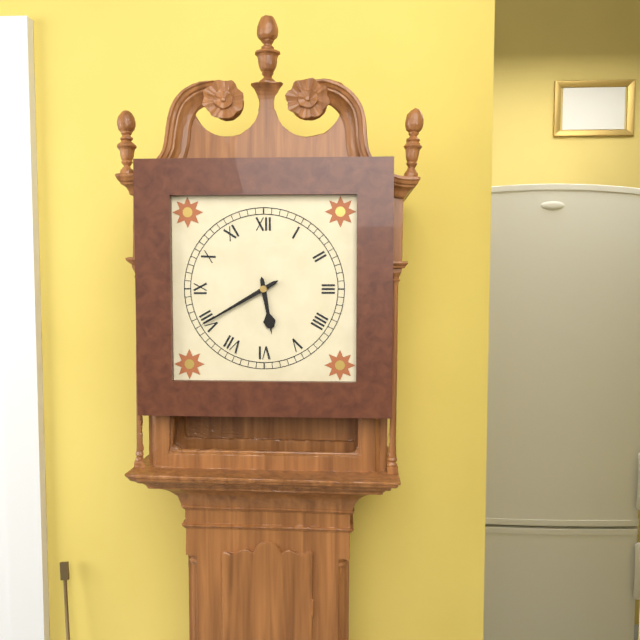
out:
5 h 40 min
